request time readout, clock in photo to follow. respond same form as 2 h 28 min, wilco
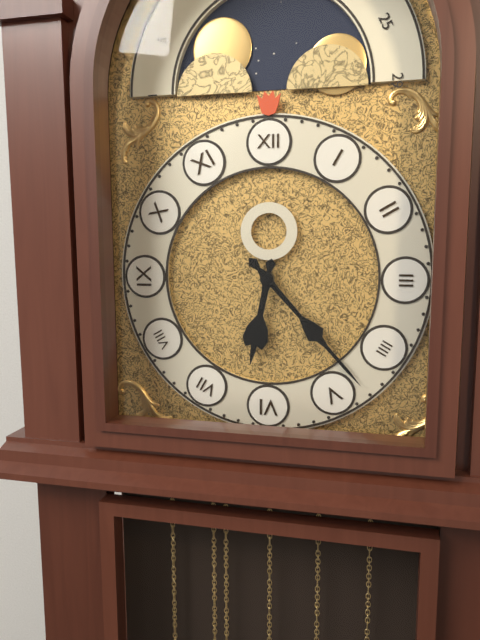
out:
6 h 23 min
